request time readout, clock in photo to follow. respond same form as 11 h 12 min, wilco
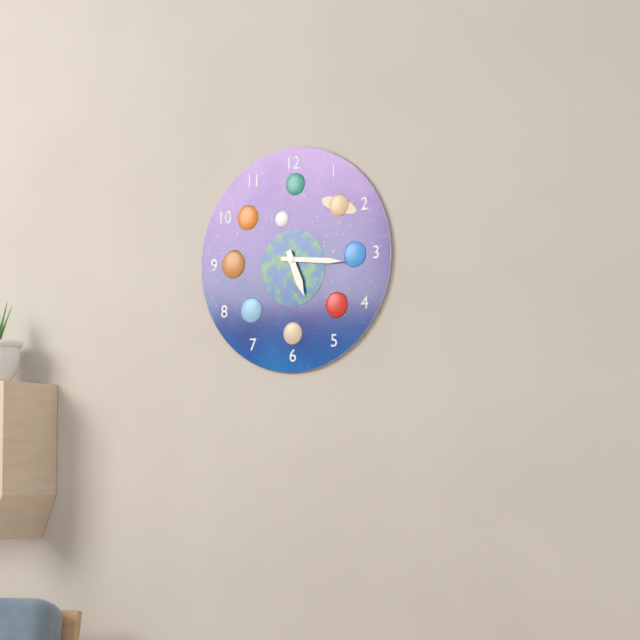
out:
5 h 16 min
